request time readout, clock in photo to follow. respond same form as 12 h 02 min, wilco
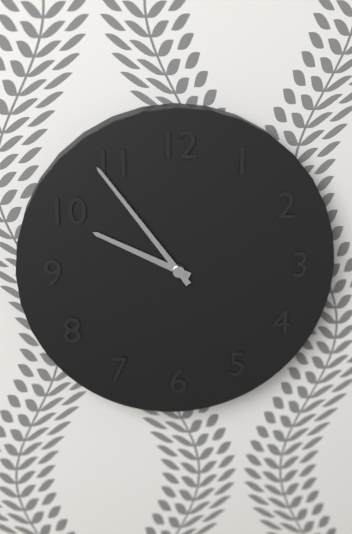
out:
9 h 54 min
